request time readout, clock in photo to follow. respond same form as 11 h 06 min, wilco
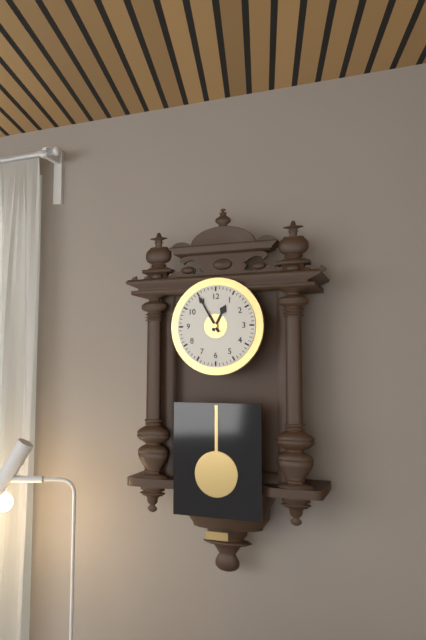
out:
12 h 55 min
